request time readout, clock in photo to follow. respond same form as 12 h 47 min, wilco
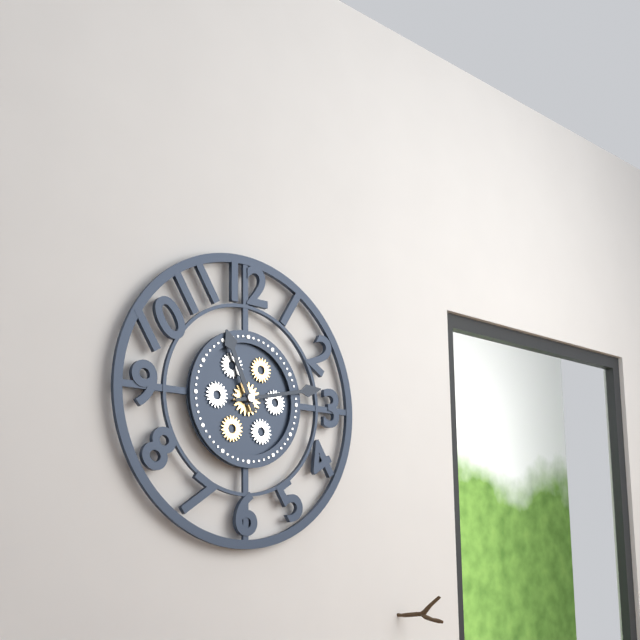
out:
11 h 13 min
